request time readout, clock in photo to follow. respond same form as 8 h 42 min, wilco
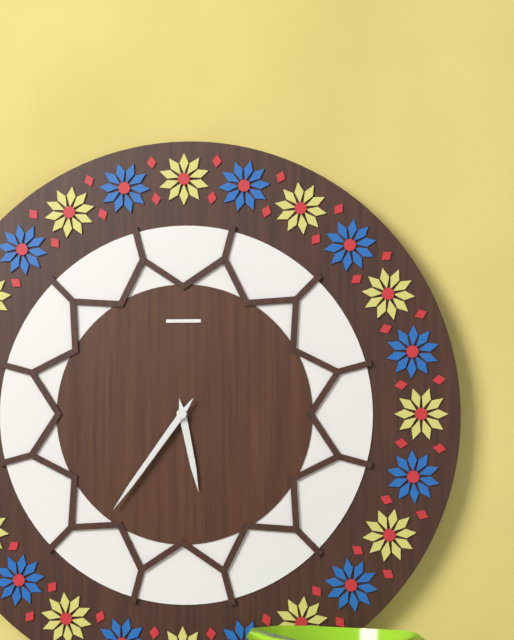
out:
5 h 36 min
